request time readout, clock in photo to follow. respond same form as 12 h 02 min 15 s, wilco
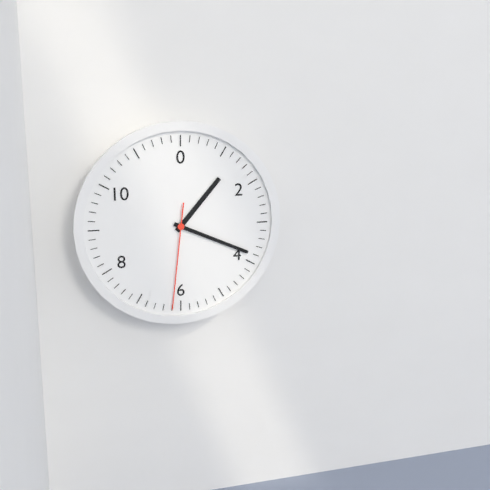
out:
1 h 19 min 31 s
